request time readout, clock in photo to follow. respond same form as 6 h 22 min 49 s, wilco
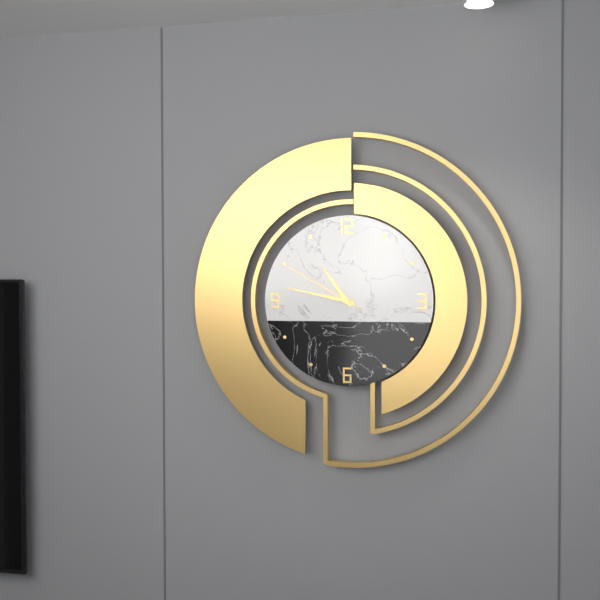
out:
10 h 47 min 50 s
